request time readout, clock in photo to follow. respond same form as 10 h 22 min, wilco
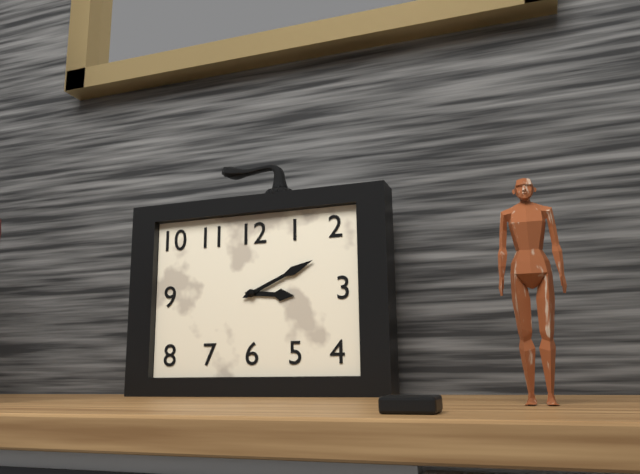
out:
3 h 11 min
